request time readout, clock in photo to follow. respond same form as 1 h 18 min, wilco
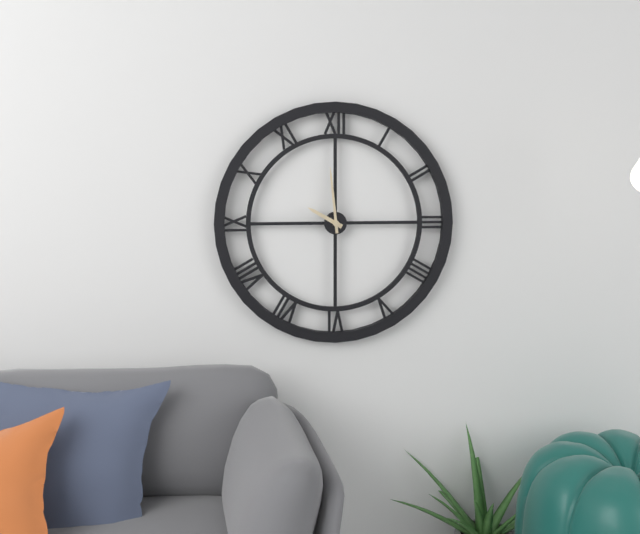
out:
9 h 59 min
